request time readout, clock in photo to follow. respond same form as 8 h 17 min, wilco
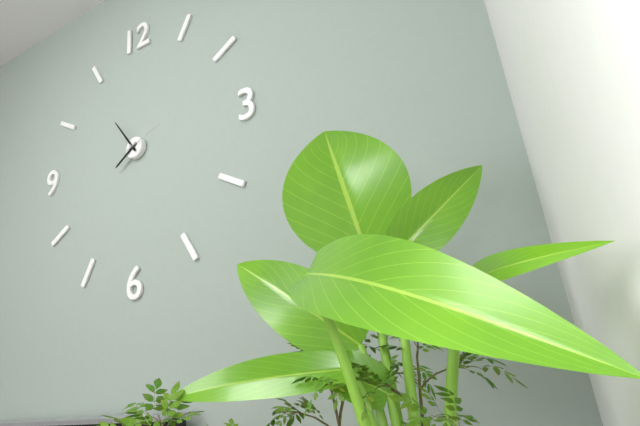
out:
7 h 54 min
